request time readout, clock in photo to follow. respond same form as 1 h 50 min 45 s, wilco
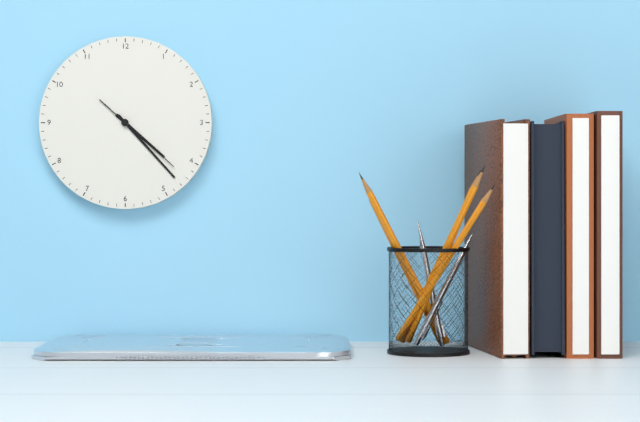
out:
4 h 23 min 22 s
